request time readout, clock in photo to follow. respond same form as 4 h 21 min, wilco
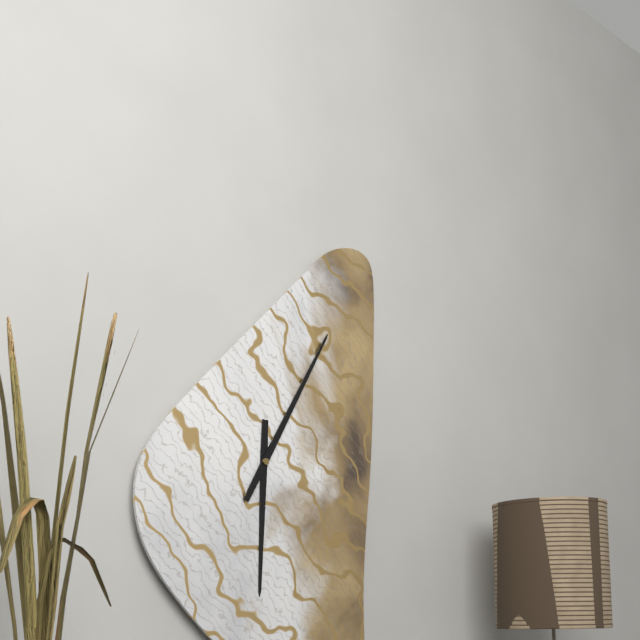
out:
6 h 05 min
